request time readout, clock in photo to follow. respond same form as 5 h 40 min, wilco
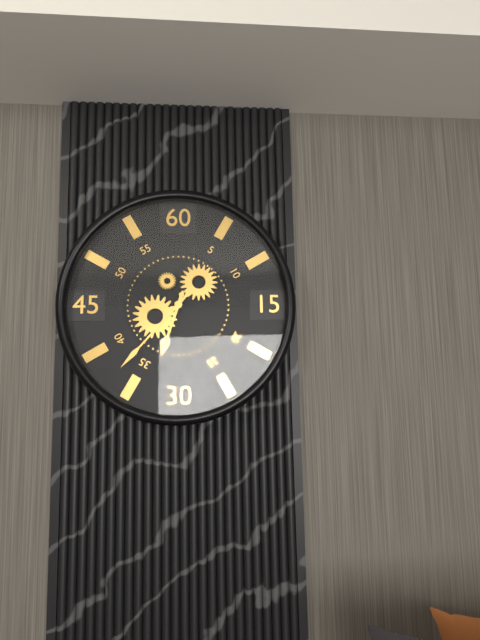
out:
6 h 37 min
